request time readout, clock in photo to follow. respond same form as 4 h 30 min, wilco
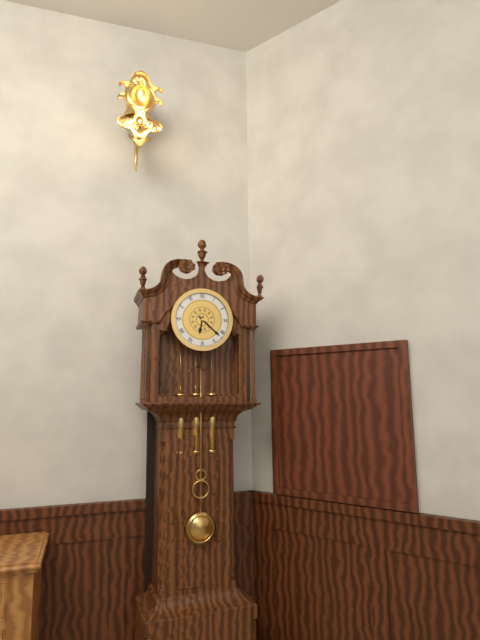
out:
6 h 22 min
